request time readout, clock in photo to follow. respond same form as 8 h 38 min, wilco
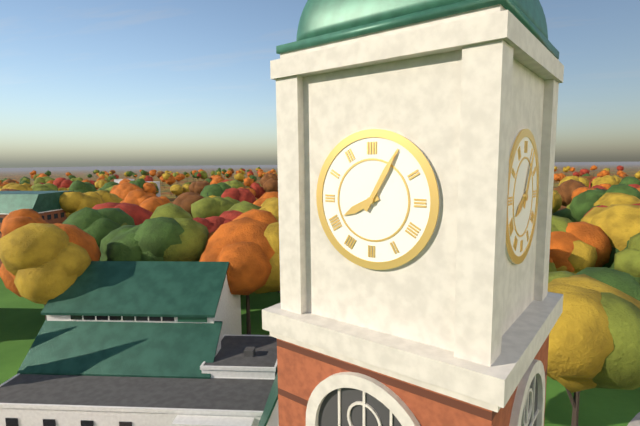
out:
8 h 05 min
